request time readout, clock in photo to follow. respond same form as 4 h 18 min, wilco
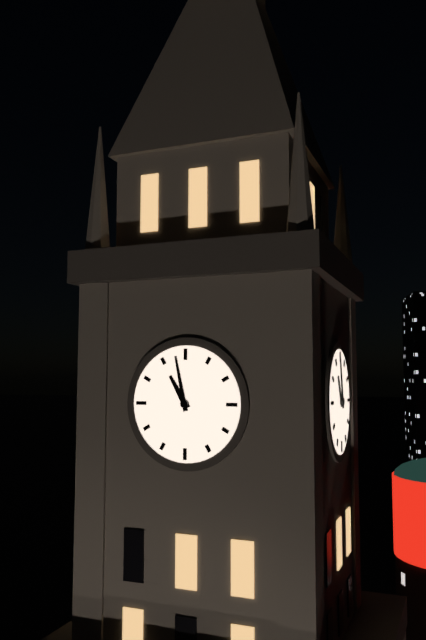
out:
10 h 58 min
